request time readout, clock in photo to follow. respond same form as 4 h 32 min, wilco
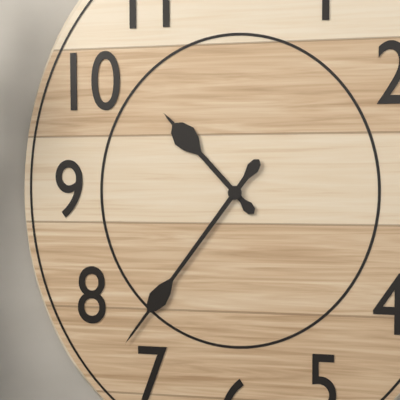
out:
10 h 36 min
